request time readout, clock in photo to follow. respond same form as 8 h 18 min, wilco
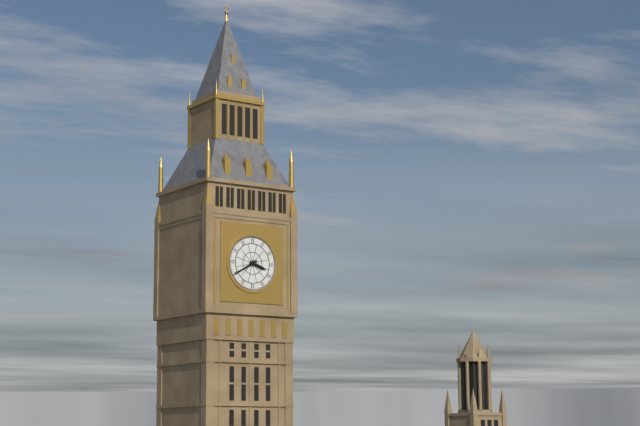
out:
3 h 40 min
